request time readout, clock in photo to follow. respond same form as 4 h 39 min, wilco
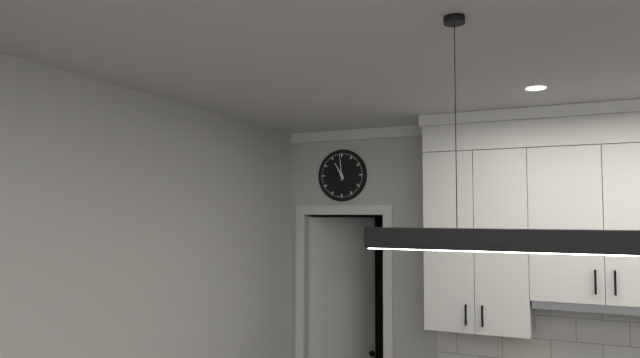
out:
10 h 59 min
